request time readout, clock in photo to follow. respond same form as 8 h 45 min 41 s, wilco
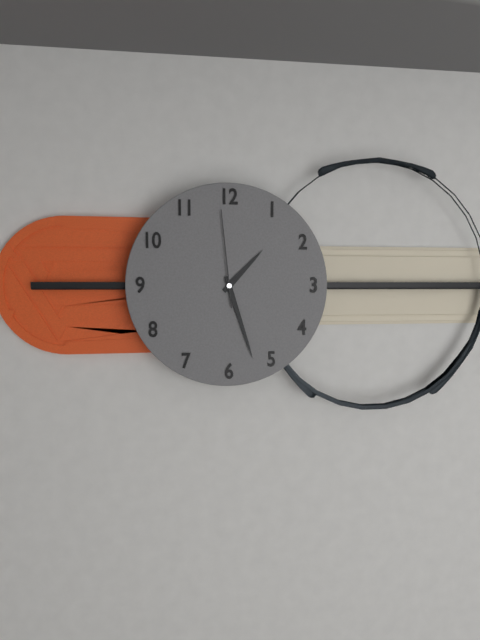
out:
1 h 27 min 59 s
